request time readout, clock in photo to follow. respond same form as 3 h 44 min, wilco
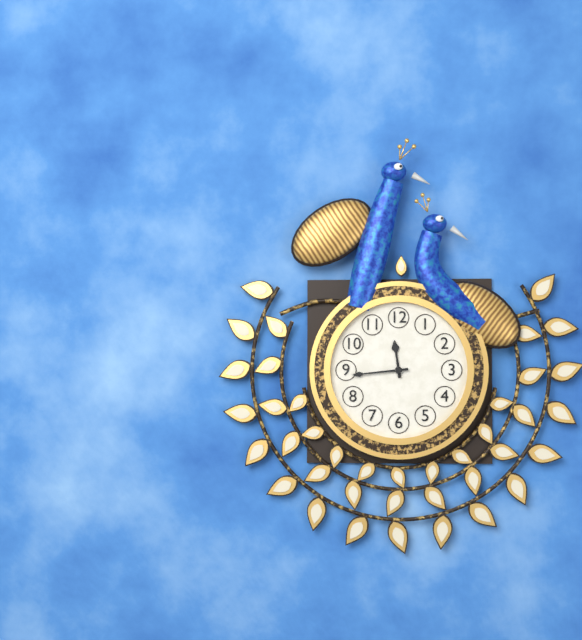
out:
11 h 44 min
